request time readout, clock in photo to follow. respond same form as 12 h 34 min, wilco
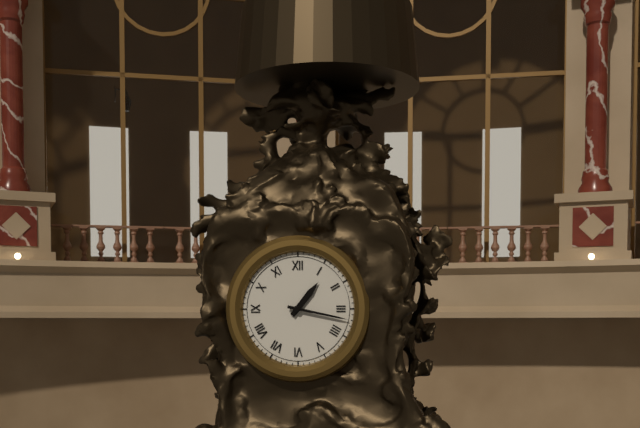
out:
1 h 17 min
